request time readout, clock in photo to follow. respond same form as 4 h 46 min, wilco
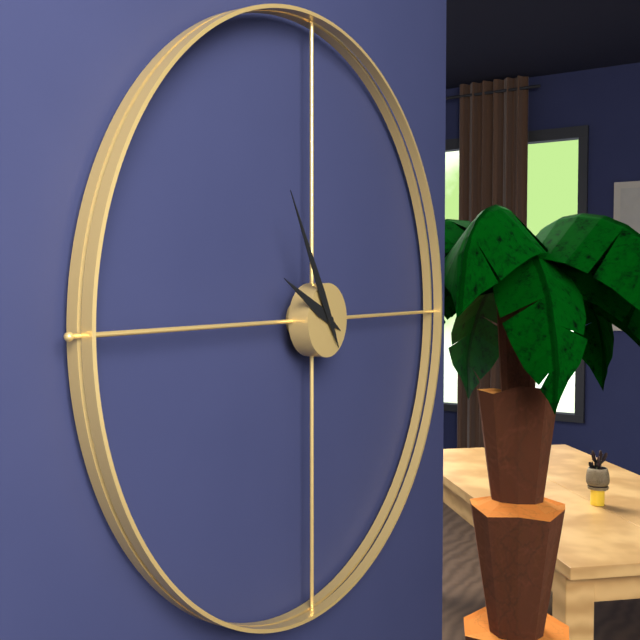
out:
9 h 55 min
